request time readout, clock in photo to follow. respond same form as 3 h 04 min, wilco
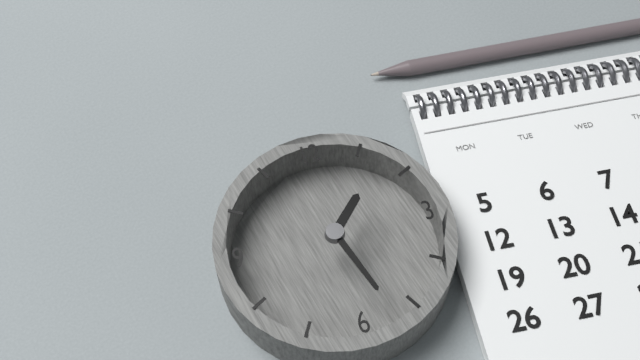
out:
1 h 27 min
